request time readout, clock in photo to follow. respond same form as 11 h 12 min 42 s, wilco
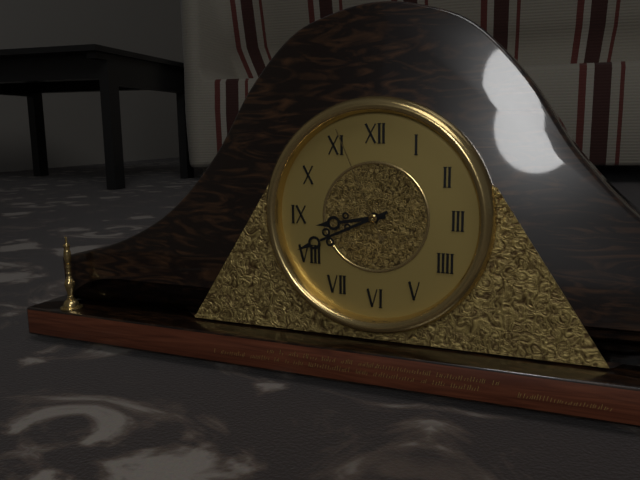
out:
8 h 41 min 56 s
